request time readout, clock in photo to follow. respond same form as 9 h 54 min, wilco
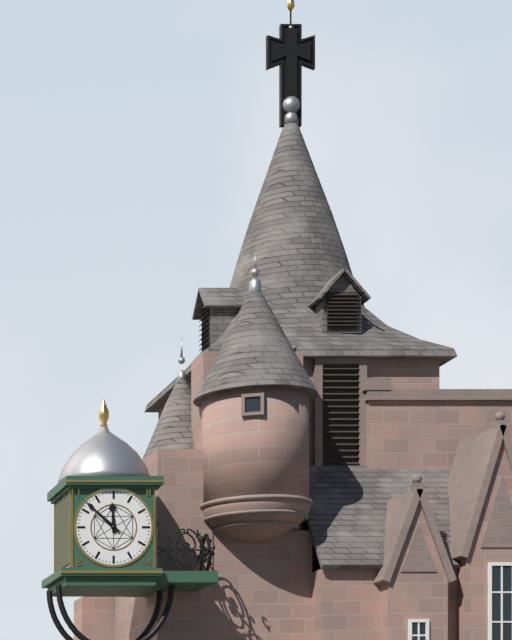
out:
11 h 52 min
